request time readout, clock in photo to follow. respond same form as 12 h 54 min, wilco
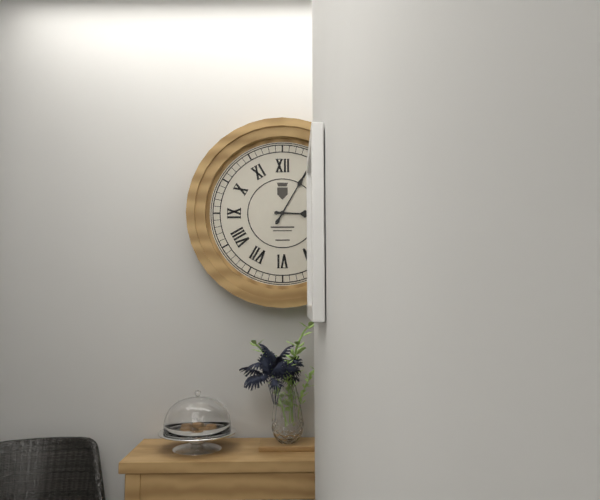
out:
3 h 05 min
